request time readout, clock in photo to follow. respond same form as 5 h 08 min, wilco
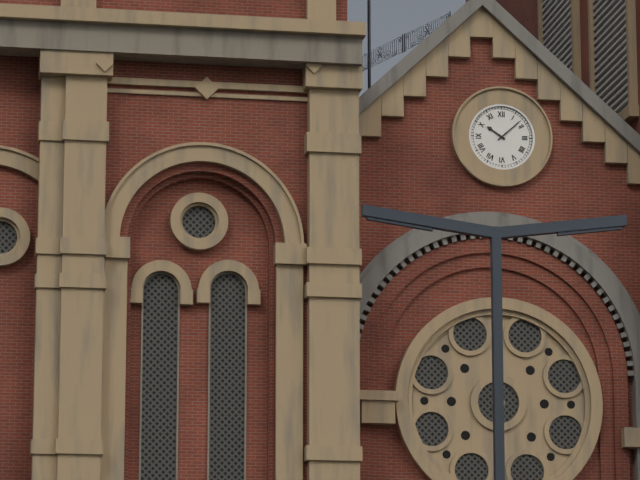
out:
10 h 08 min
